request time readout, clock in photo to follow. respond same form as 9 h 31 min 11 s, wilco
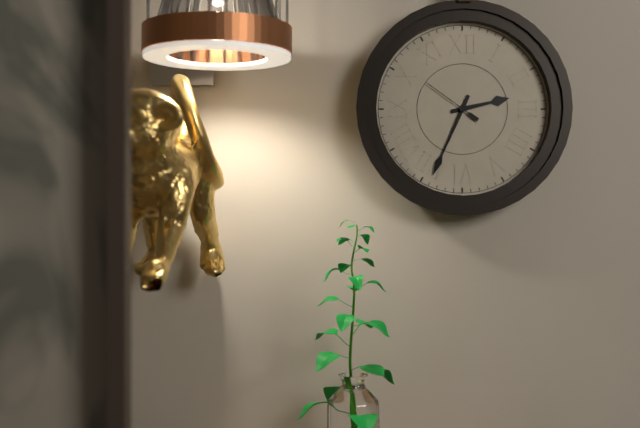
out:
2 h 34 min 51 s
